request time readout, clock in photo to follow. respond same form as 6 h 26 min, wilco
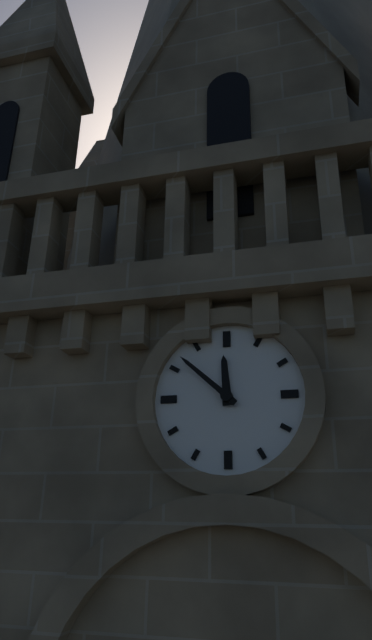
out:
11 h 52 min
